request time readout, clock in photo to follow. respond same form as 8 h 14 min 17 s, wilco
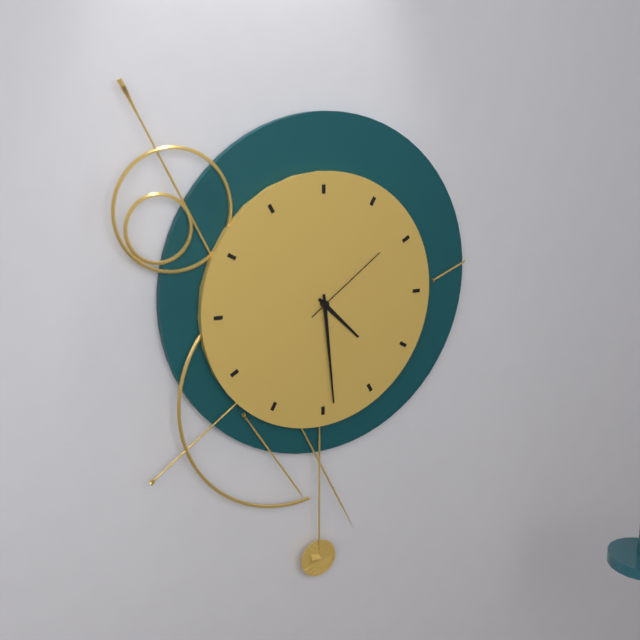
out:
4 h 29 min 09 s
